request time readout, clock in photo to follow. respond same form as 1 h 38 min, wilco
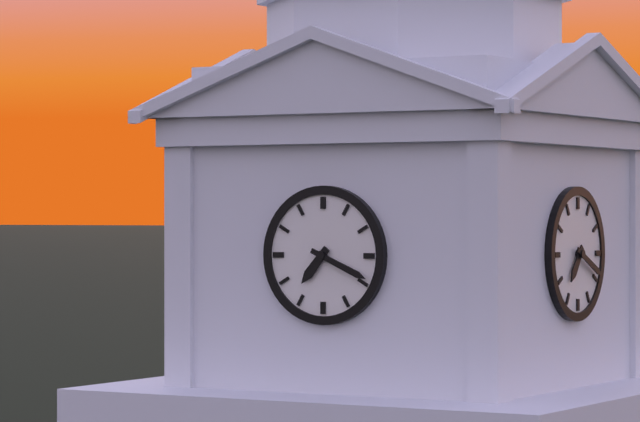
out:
7 h 19 min
